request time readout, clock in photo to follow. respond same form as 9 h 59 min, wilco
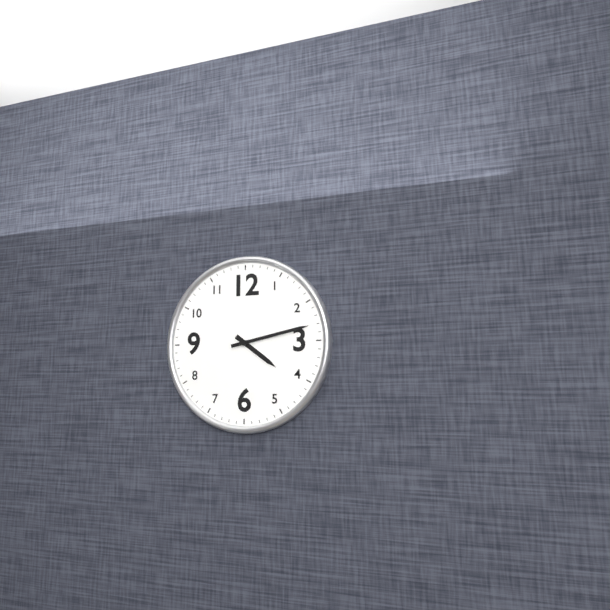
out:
4 h 13 min
